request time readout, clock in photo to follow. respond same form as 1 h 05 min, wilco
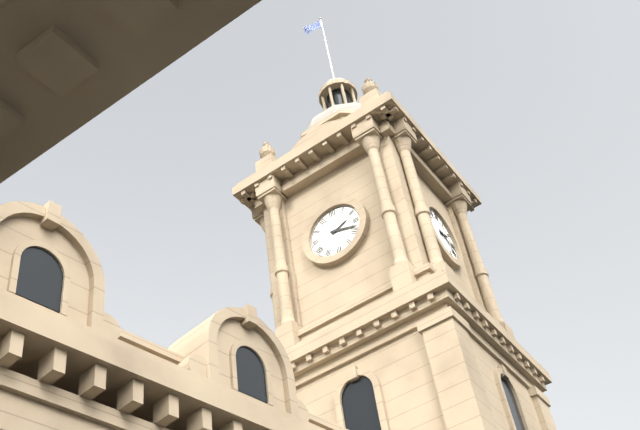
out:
2 h 18 min
